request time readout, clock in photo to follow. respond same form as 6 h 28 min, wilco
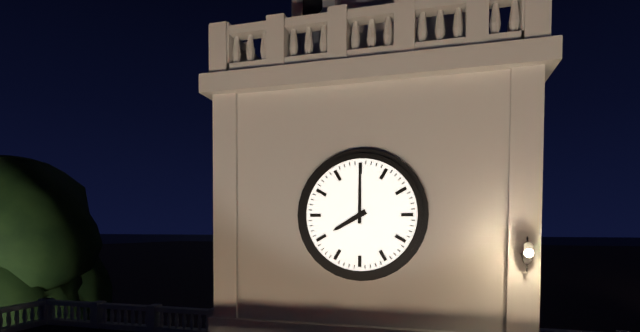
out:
8 h 00 min
